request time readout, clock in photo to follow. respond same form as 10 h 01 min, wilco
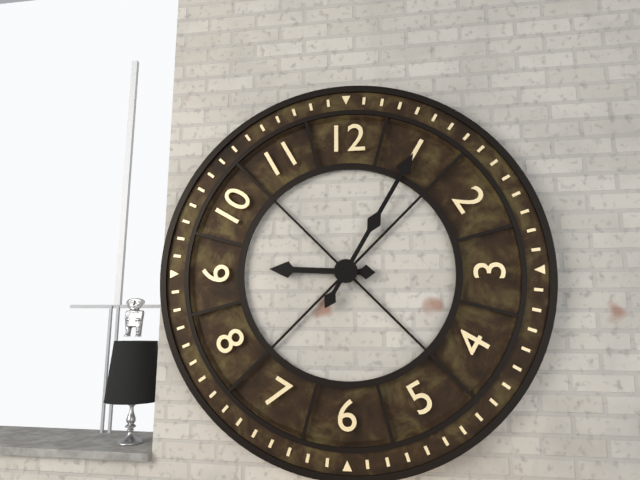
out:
9 h 05 min
